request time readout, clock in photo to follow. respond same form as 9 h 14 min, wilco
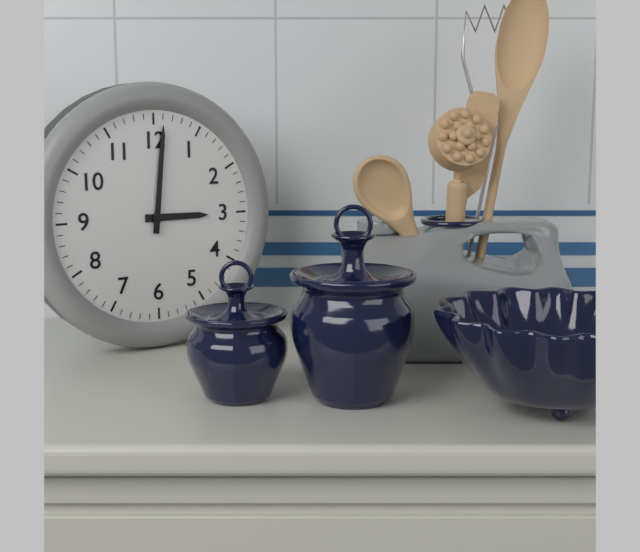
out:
3 h 01 min
